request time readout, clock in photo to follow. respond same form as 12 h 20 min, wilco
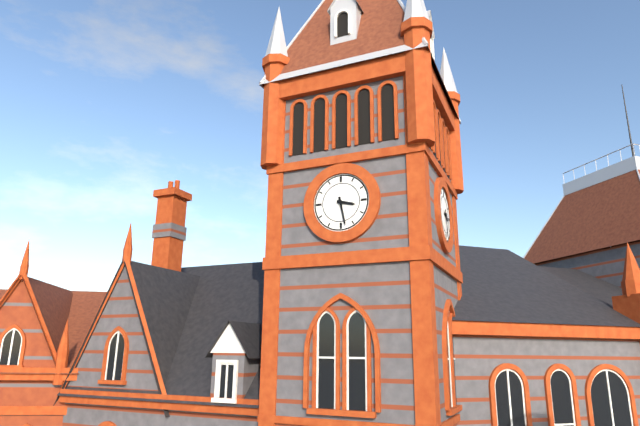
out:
3 h 28 min
